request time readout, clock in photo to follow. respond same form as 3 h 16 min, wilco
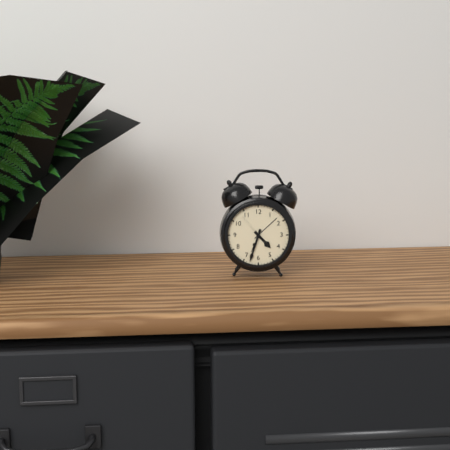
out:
4 h 33 min
